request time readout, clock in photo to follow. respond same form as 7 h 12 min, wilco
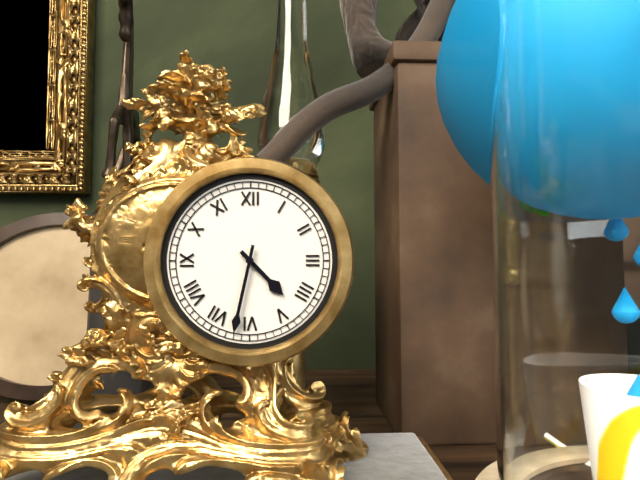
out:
4 h 32 min
